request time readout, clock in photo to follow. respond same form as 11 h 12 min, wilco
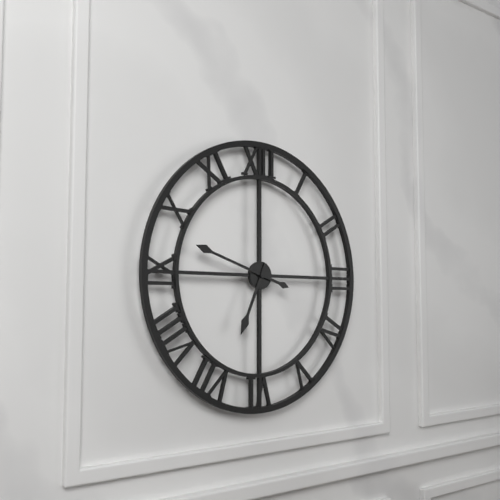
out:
6 h 48 min
